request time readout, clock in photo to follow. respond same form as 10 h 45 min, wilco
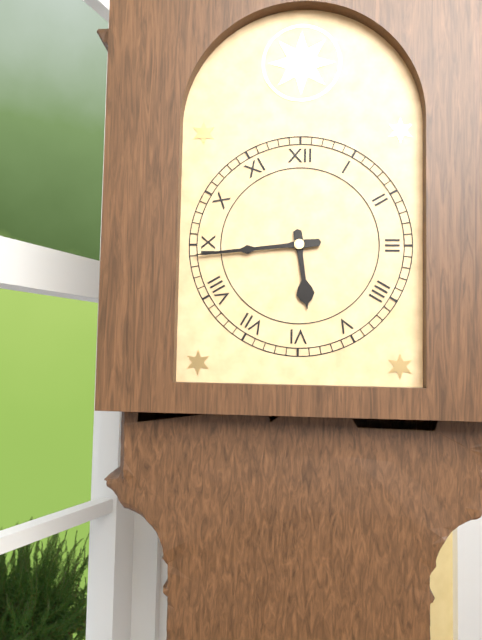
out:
5 h 44 min
